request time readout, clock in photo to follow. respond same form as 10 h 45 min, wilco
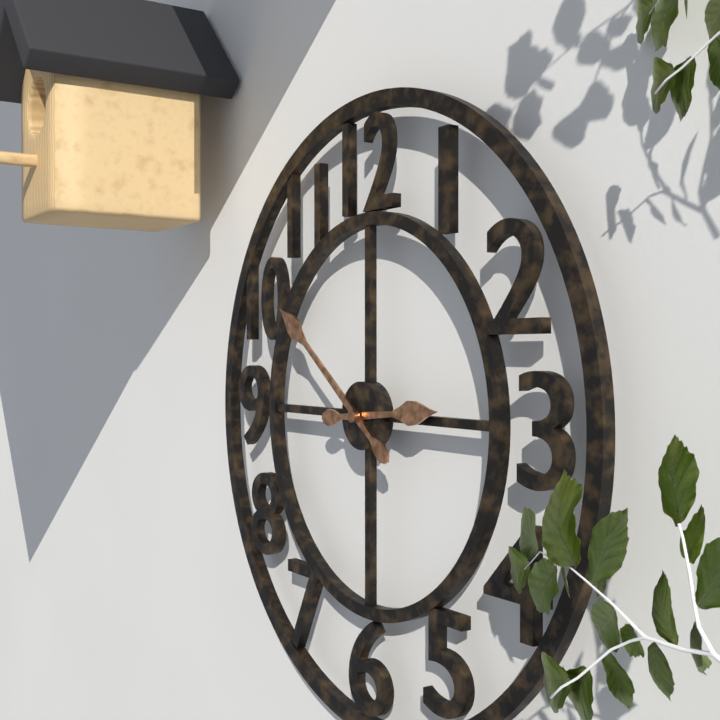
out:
2 h 51 min
